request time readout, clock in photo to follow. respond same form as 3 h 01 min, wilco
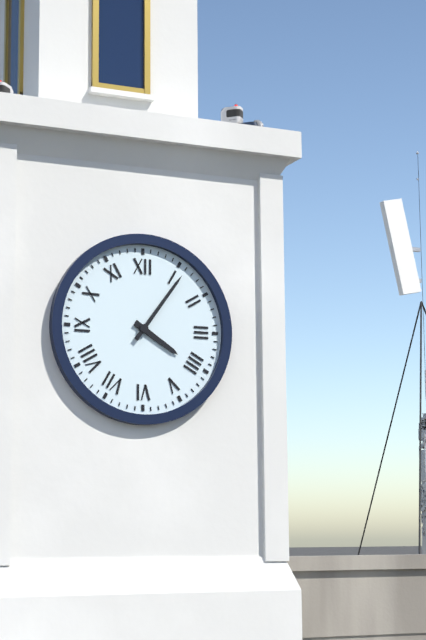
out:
4 h 06 min
